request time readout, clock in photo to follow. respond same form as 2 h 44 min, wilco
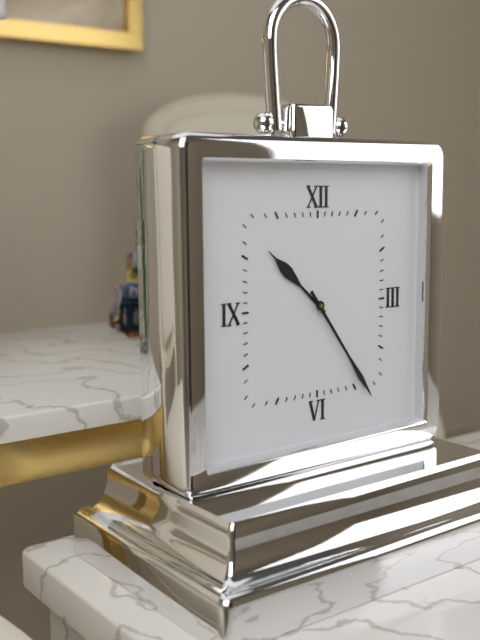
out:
10 h 24 min
